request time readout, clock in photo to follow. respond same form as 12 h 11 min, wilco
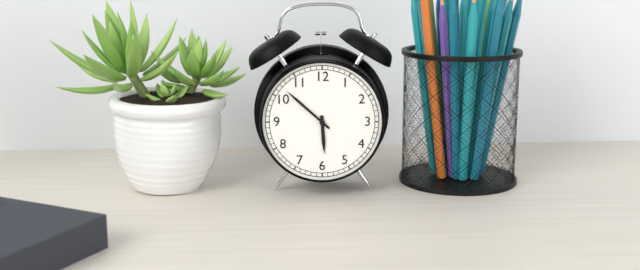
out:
5 h 52 min
